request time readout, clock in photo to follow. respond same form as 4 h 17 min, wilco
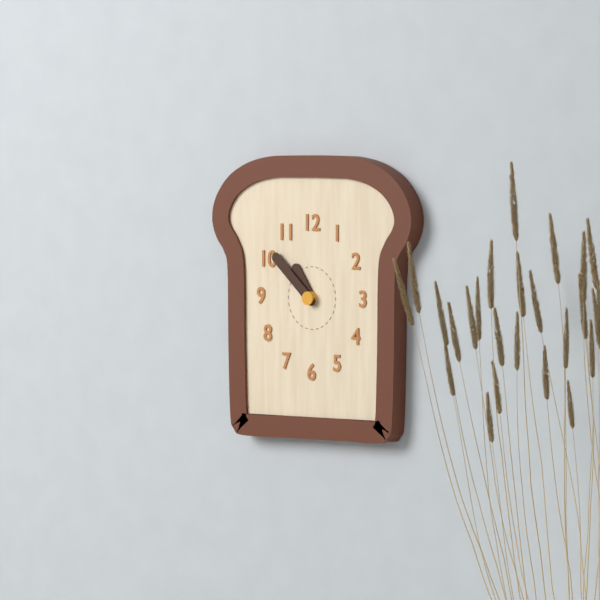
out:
10 h 52 min
